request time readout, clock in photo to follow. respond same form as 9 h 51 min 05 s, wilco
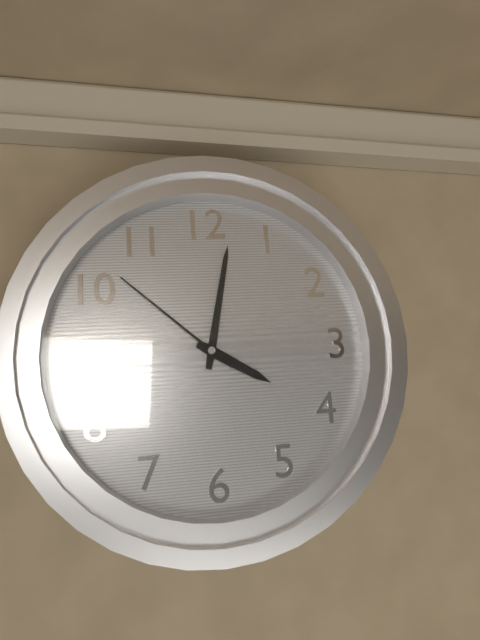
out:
4 h 02 min 52 s
